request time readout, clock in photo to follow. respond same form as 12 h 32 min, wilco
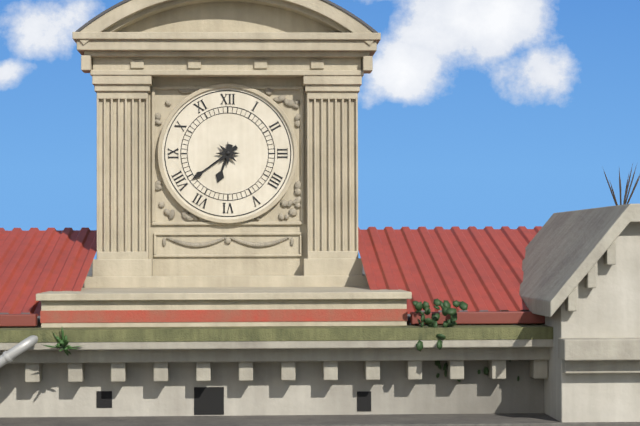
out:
6 h 39 min
